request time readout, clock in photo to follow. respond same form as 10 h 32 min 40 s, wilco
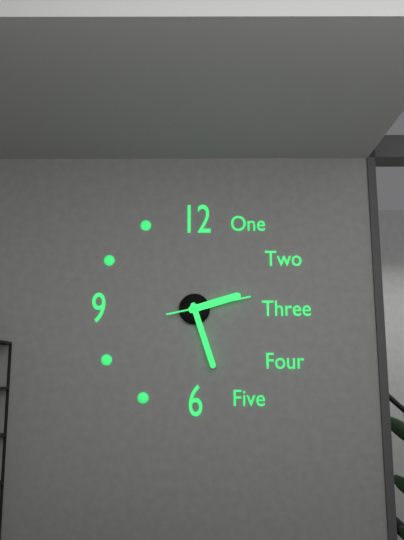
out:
2 h 27 min 13 s
